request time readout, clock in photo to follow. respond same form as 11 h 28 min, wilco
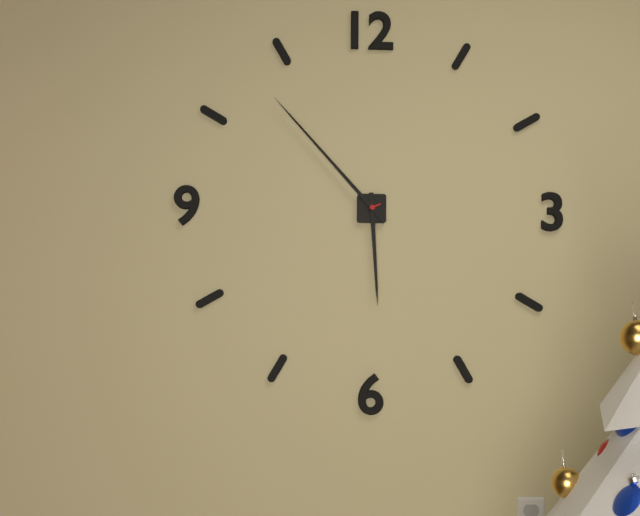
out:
5 h 53 min
